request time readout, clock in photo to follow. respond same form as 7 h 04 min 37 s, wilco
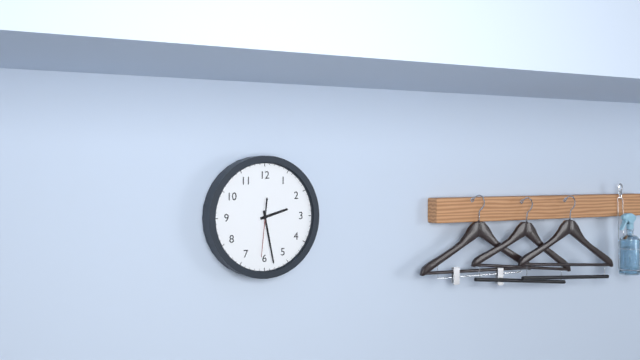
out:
2 h 28 min 31 s
